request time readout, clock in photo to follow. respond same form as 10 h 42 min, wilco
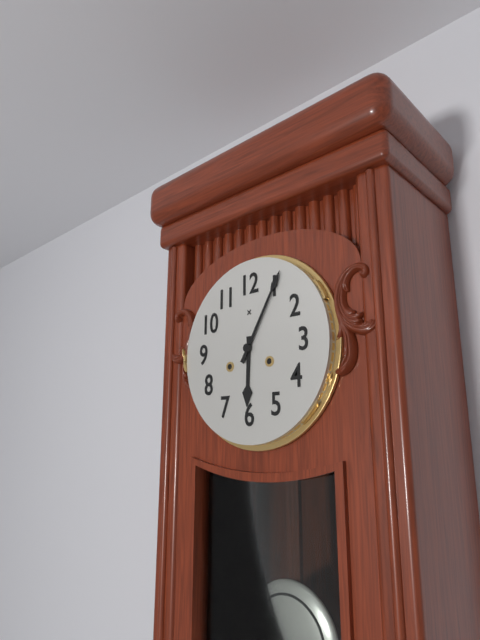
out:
6 h 05 min
